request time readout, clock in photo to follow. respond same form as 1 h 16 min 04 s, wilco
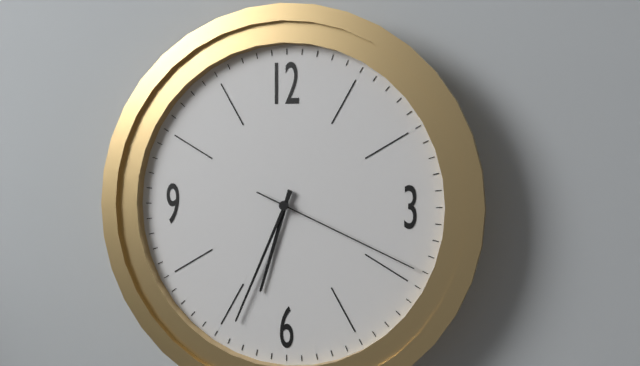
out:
6 h 34 min 19 s
